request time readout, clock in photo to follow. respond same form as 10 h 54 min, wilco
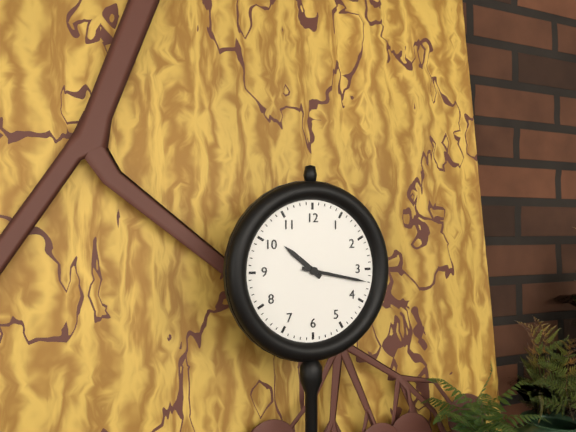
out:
10 h 17 min
